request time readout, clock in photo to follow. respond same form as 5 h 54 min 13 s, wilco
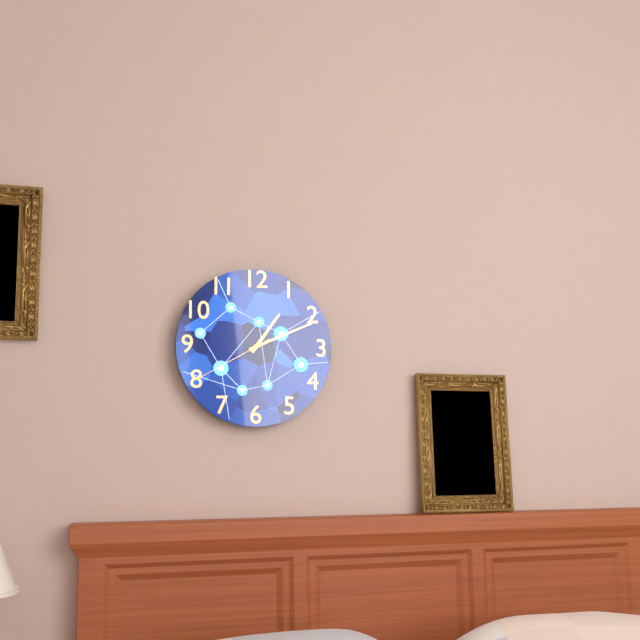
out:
1 h 11 min 40 s
